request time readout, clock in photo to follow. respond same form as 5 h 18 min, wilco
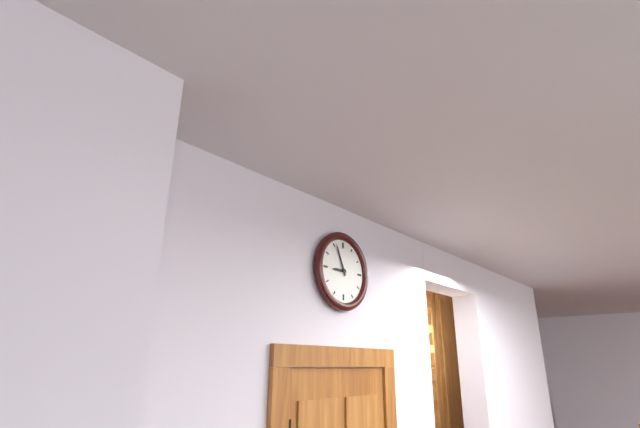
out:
8 h 56 min
